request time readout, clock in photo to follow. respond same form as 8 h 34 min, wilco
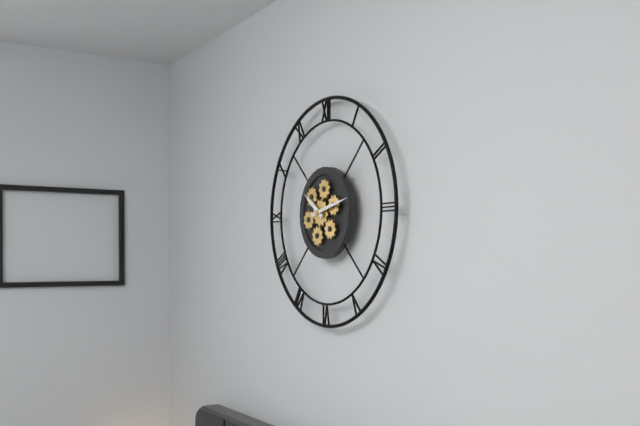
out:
10 h 13 min
